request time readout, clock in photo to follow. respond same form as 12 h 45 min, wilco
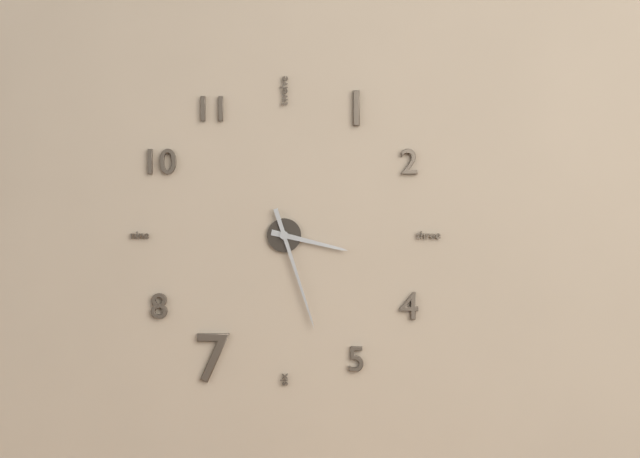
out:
3 h 27 min
